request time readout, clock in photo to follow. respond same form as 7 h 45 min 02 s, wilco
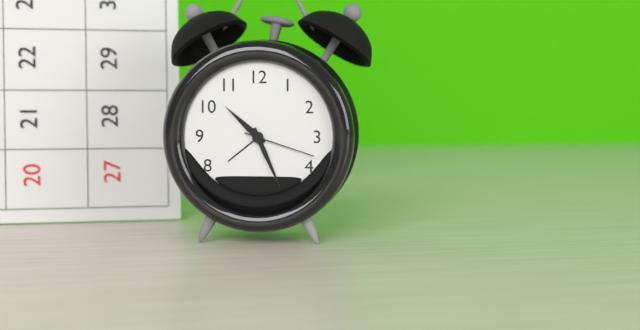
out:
10 h 26 min 18 s
